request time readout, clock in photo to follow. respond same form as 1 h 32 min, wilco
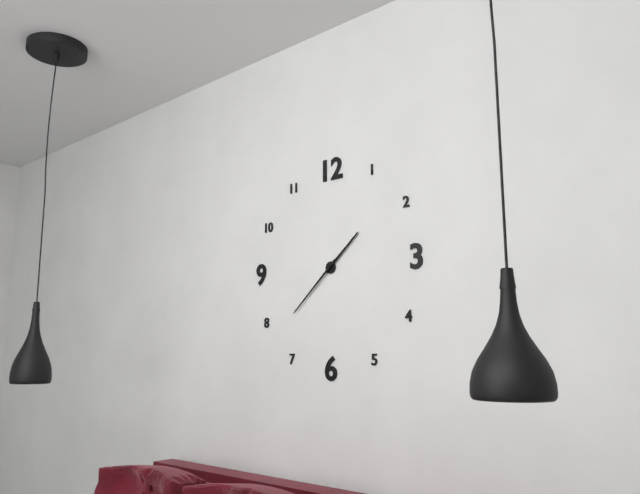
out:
1 h 38 min
